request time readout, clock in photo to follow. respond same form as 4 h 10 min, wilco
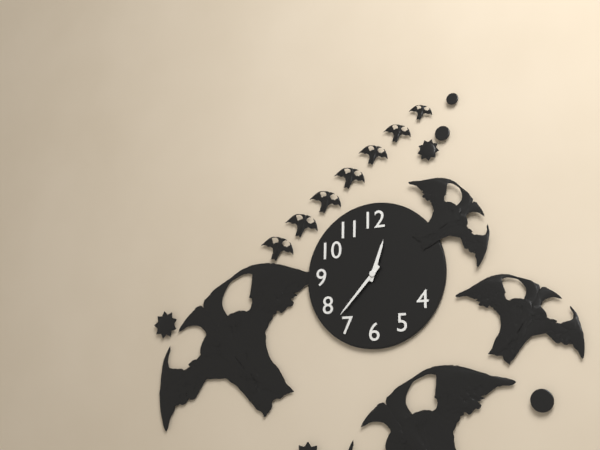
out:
12 h 37 min
